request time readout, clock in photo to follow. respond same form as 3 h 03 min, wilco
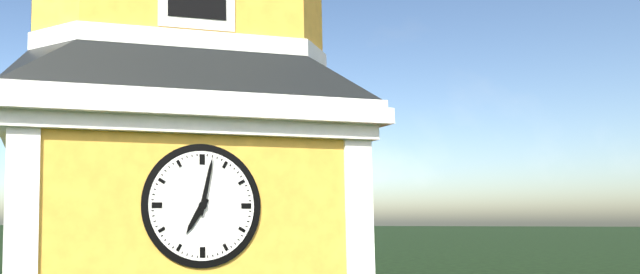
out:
7 h 02 min
